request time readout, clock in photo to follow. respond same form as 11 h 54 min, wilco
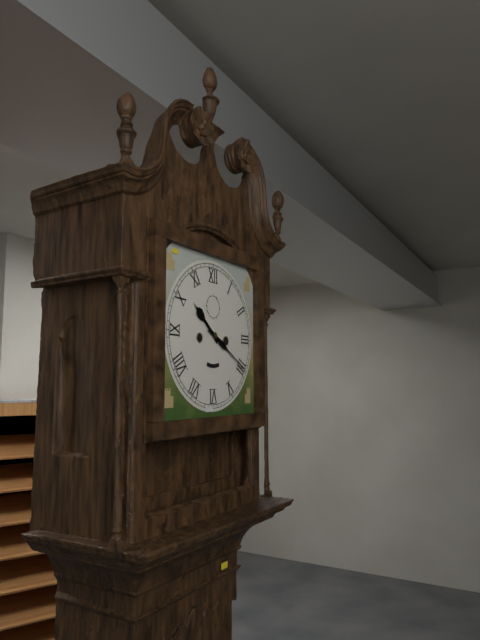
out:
10 h 20 min
